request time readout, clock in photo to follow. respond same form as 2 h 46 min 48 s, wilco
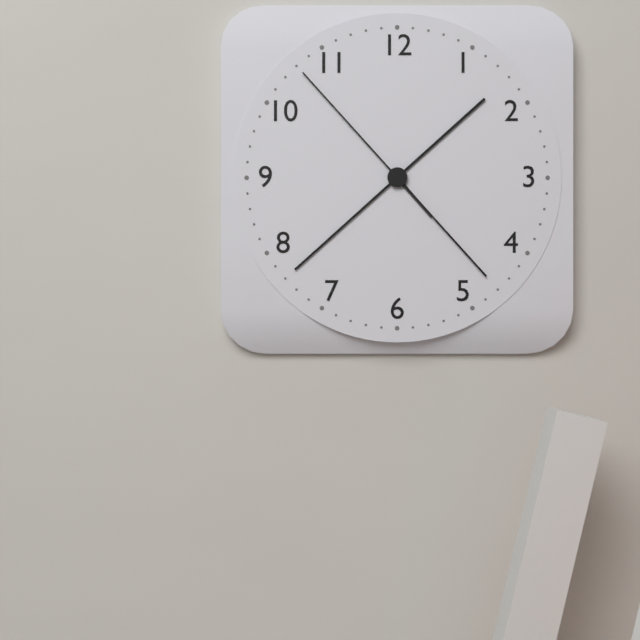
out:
4 h 38 min 53 s
